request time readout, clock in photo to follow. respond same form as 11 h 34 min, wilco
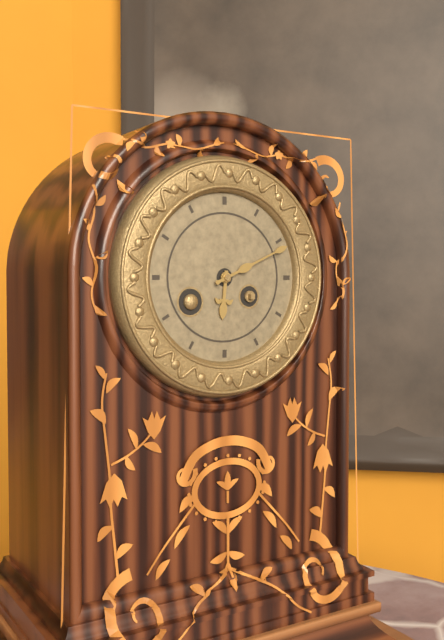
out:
6 h 11 min
